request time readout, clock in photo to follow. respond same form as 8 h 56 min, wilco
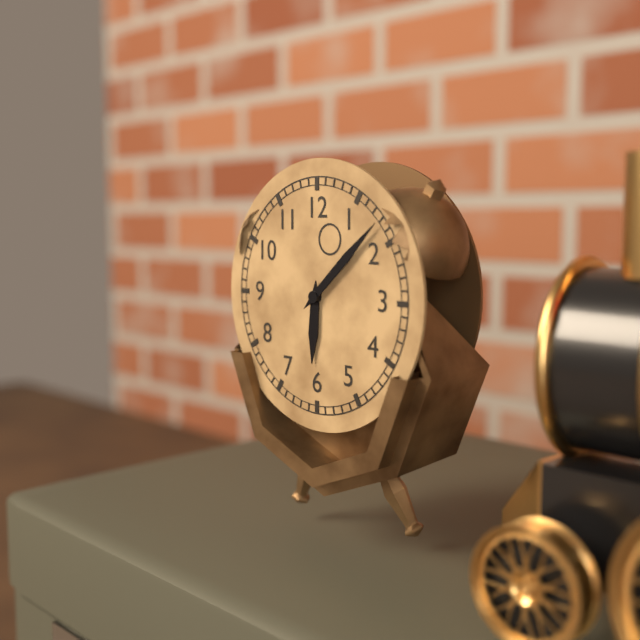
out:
6 h 08 min
